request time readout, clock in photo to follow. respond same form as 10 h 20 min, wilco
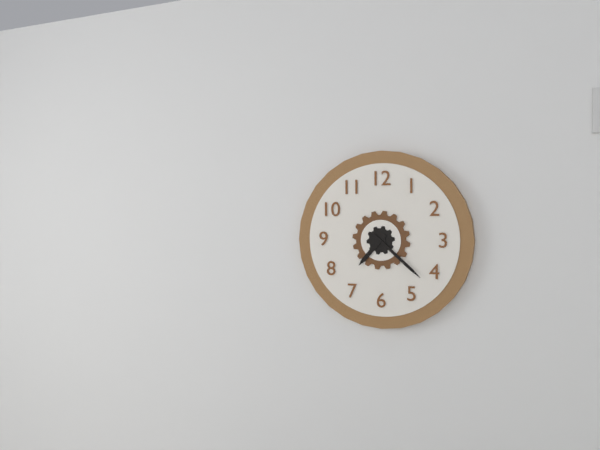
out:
7 h 22 min
